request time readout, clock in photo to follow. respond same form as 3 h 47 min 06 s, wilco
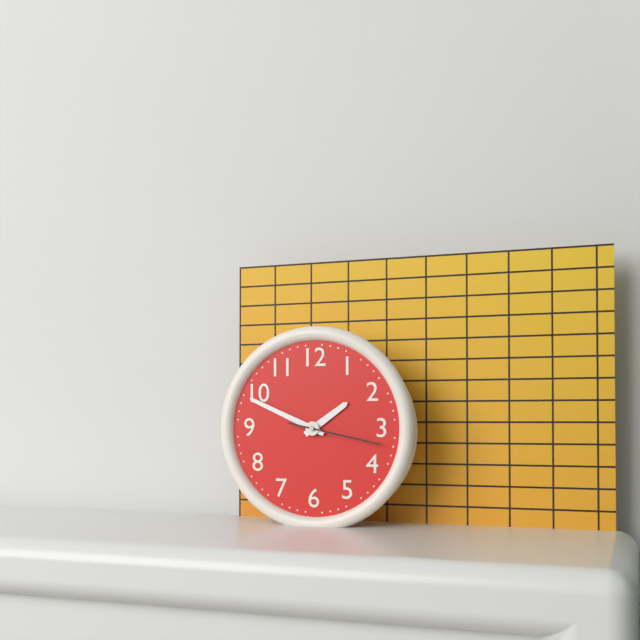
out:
1 h 49 min 17 s
